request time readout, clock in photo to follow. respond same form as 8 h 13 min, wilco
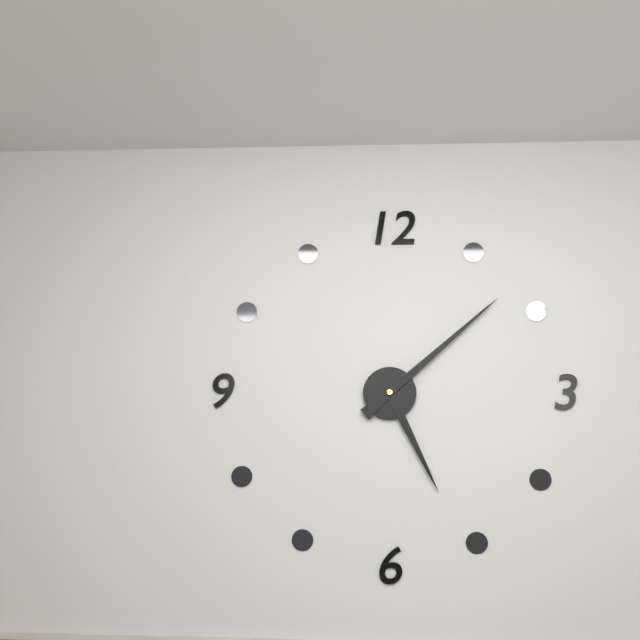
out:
5 h 08 min
